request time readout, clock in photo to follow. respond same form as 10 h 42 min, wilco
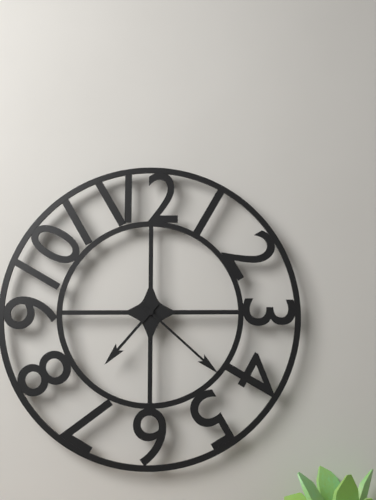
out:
7 h 22 min
